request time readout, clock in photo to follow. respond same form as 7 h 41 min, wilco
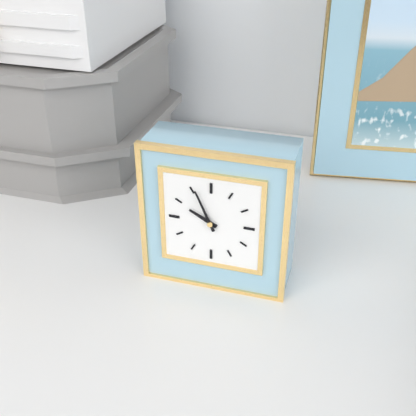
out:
9 h 56 min
